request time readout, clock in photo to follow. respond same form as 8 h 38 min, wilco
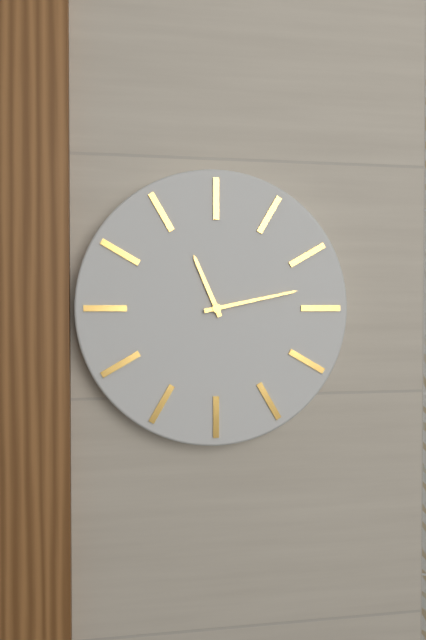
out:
11 h 13 min
